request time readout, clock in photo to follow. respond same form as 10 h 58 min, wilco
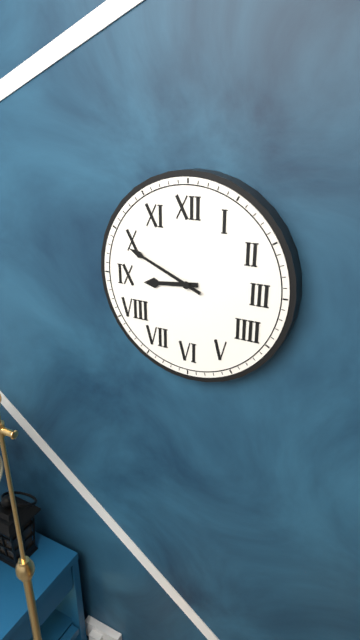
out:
8 h 49 min
